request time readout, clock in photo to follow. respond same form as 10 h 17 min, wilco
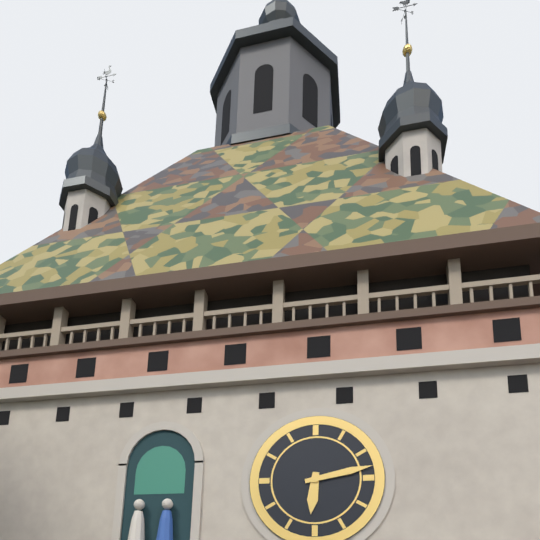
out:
6 h 13 min
